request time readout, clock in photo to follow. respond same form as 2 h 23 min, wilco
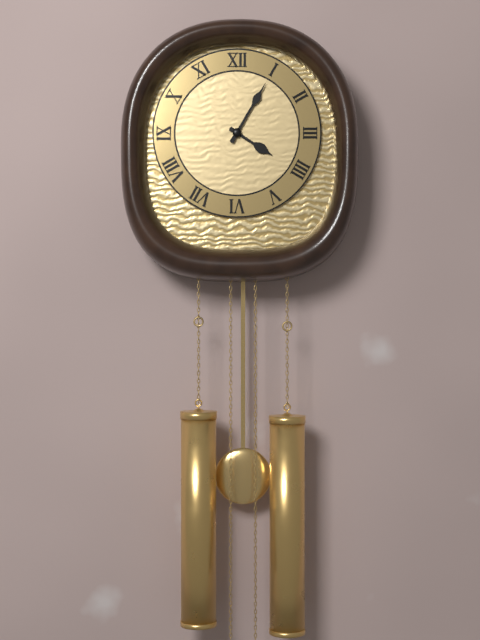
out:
4 h 05 min
